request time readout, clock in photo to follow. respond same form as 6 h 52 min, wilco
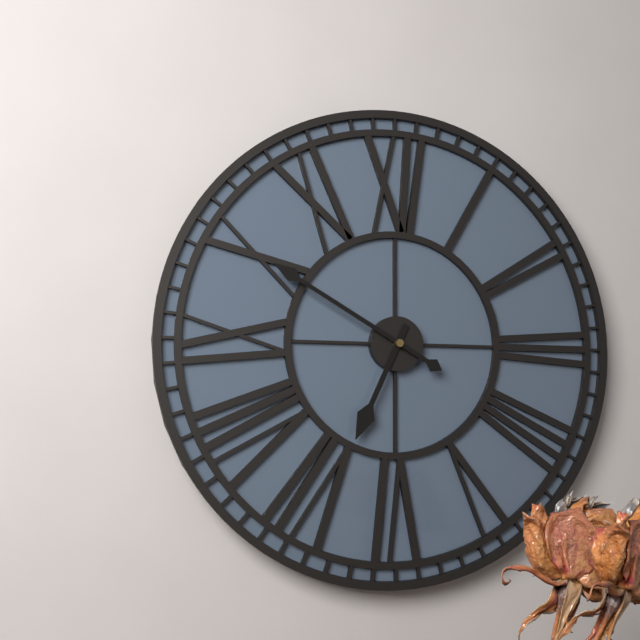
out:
6 h 50 min
